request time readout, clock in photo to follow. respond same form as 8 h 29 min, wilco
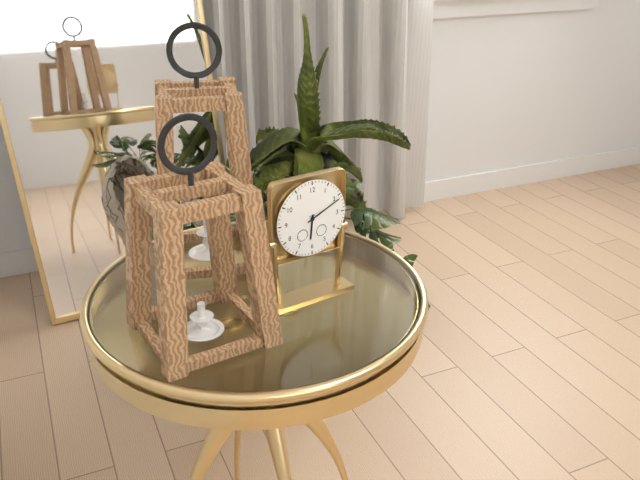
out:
6 h 11 min
